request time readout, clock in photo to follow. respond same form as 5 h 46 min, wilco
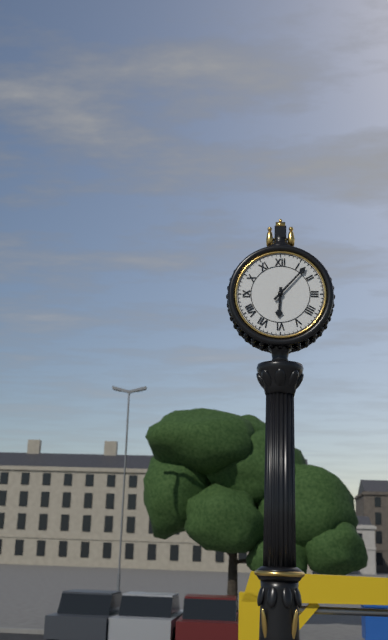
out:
6 h 07 min
